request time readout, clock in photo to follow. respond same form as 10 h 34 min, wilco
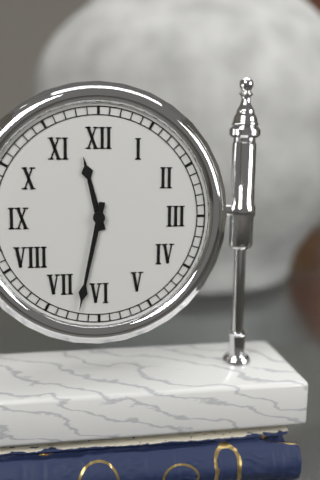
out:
11 h 32 min
